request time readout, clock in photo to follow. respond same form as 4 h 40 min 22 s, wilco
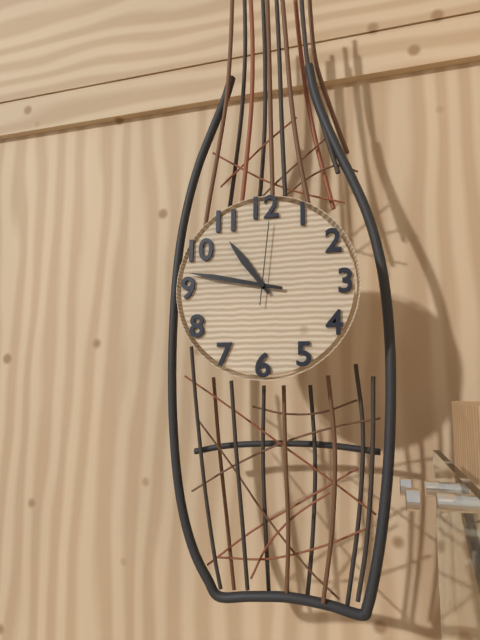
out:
10 h 47 min 01 s
